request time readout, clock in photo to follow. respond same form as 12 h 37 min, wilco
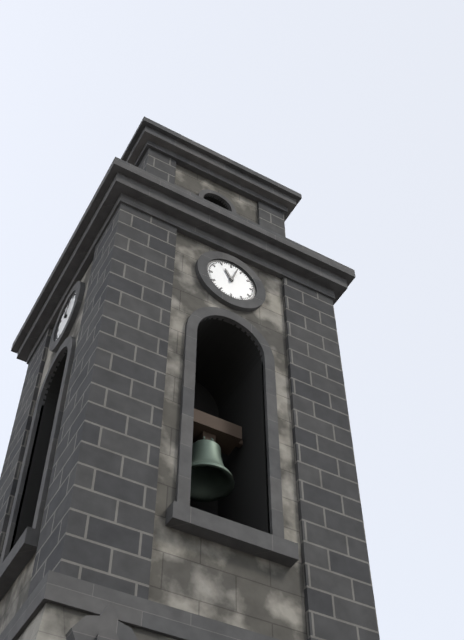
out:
11 h 03 min
